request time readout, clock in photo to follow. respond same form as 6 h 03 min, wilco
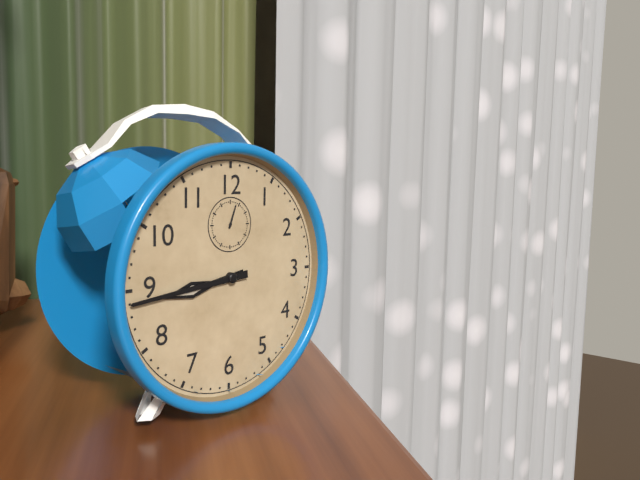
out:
8 h 44 min
